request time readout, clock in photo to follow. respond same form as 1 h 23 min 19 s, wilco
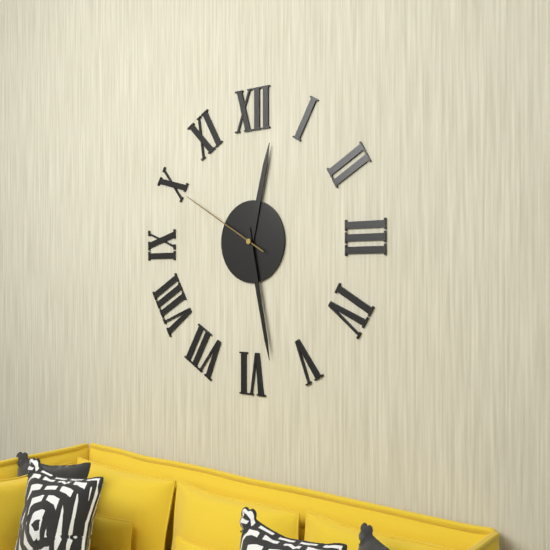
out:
12 h 28 min 50 s
